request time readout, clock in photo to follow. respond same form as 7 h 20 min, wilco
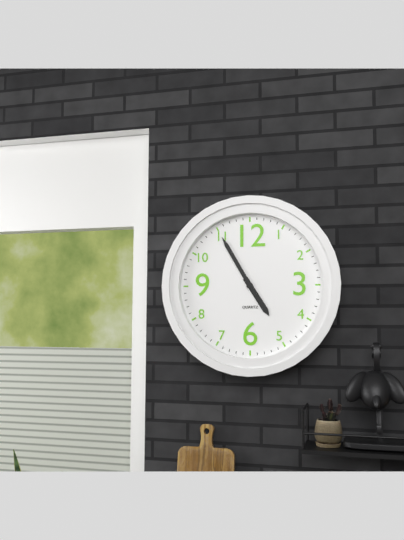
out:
4 h 55 min
